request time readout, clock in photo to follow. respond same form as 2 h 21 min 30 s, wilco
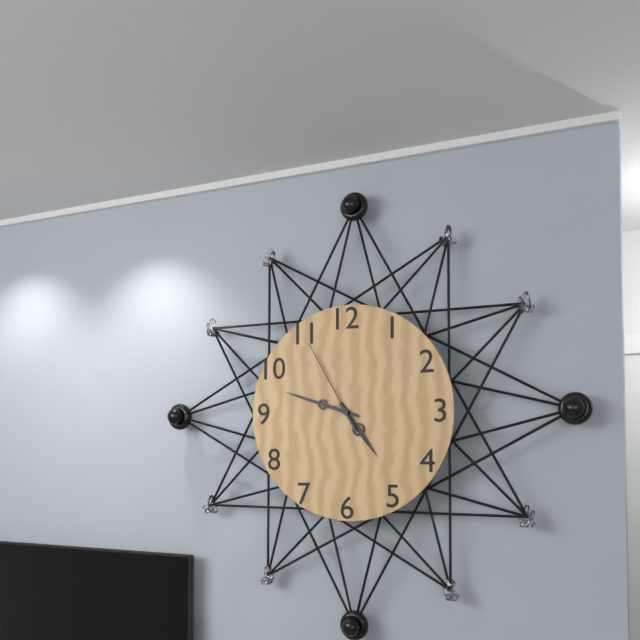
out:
4 h 48 min 55 s
